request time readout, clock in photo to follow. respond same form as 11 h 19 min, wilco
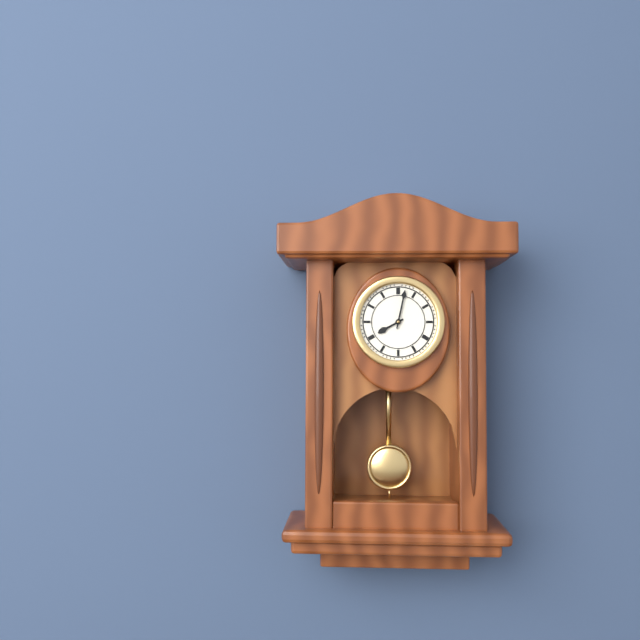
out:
8 h 02 min
